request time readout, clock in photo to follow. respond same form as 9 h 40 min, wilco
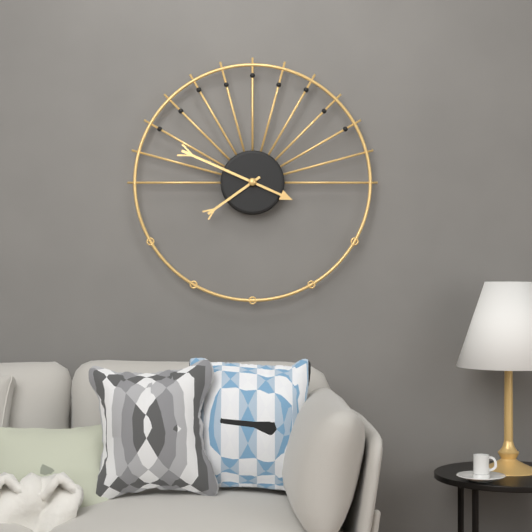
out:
7 h 49 min
